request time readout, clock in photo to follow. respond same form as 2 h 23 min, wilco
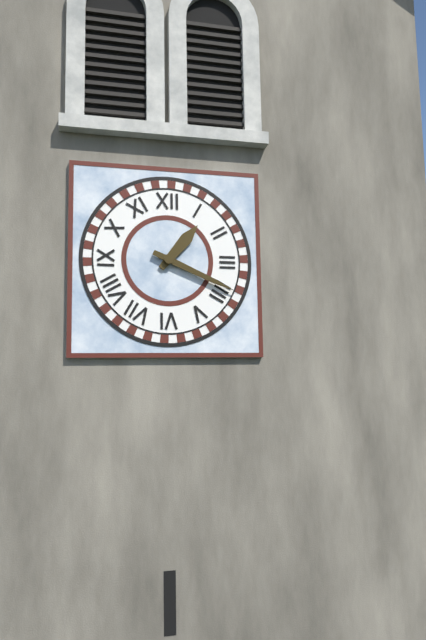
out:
1 h 19 min
